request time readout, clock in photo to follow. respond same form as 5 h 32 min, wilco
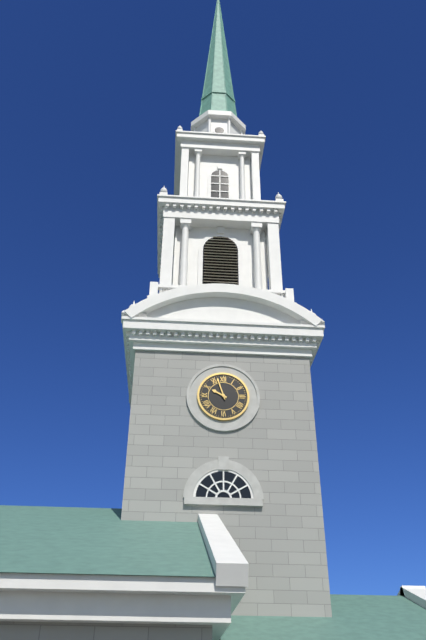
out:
9 h 57 min
